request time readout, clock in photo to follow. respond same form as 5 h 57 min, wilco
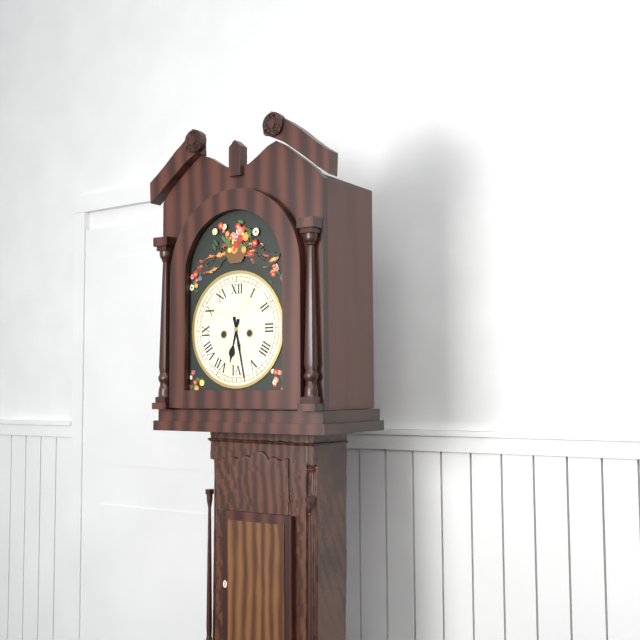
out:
6 h 28 min
